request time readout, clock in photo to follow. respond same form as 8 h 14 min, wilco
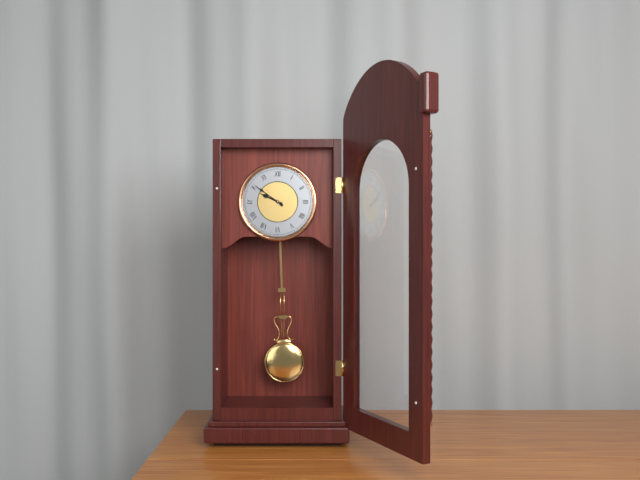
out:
9 h 51 min
